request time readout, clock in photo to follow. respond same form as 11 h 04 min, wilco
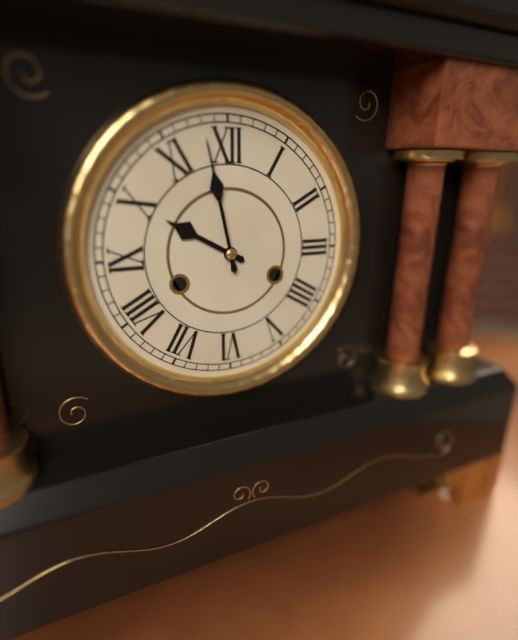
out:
9 h 58 min
